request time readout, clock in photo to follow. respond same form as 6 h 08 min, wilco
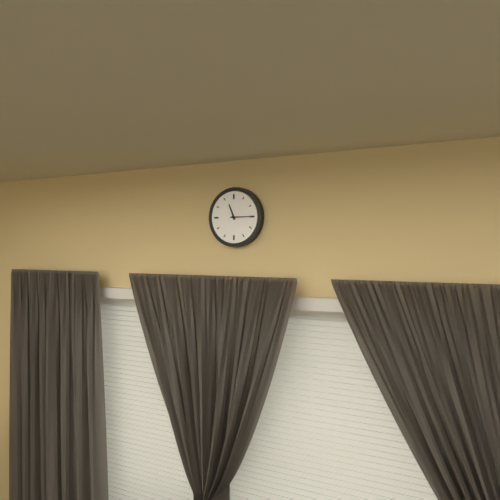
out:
11 h 15 min
